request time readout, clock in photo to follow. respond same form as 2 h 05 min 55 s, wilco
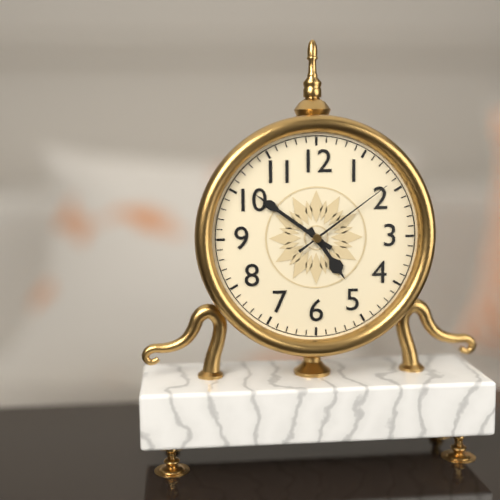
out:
4 h 51 min 09 s
